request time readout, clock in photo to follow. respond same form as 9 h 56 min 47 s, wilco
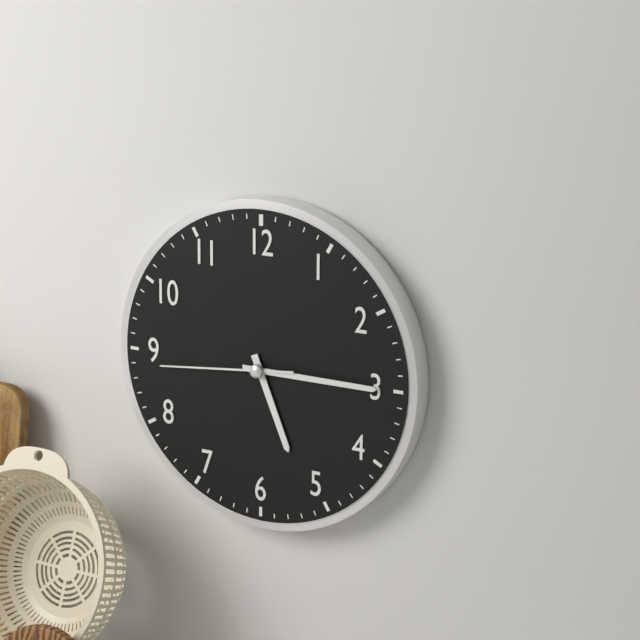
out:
5 h 15 min 44 s
